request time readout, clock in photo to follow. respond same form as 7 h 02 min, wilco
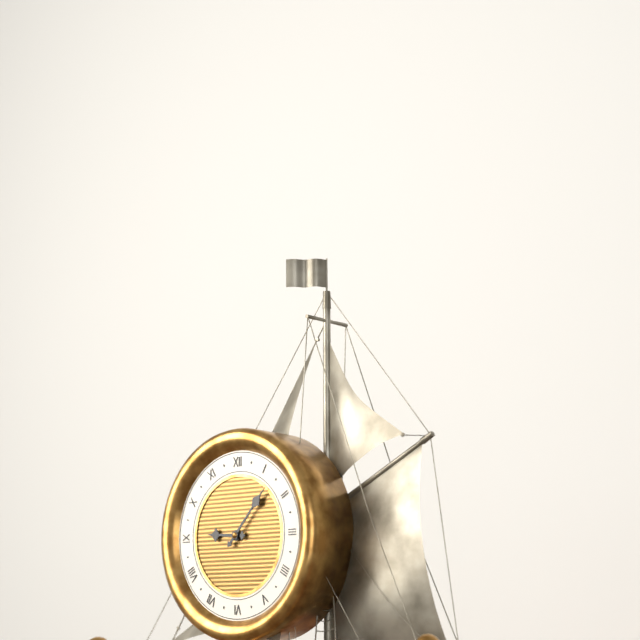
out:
9 h 07 min
